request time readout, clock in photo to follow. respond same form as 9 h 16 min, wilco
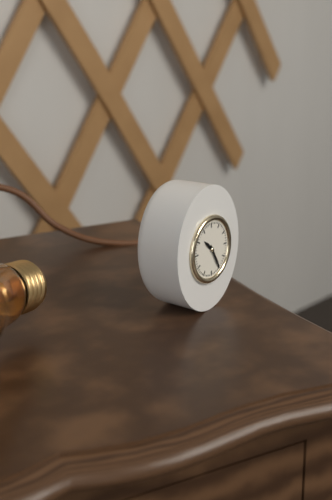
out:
10 h 25 min
